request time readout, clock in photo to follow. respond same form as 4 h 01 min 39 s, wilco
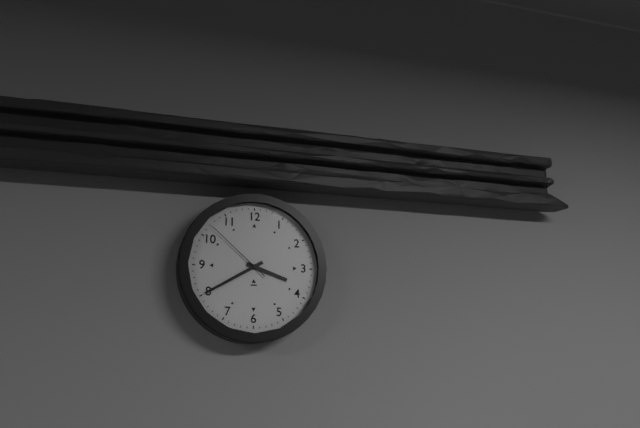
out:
3 h 40 min 52 s
